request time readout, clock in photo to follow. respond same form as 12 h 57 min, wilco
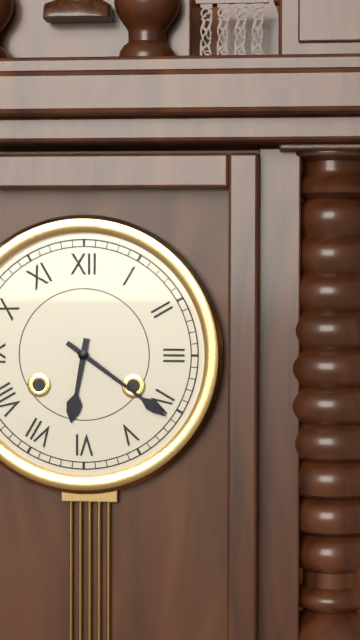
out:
6 h 21 min
